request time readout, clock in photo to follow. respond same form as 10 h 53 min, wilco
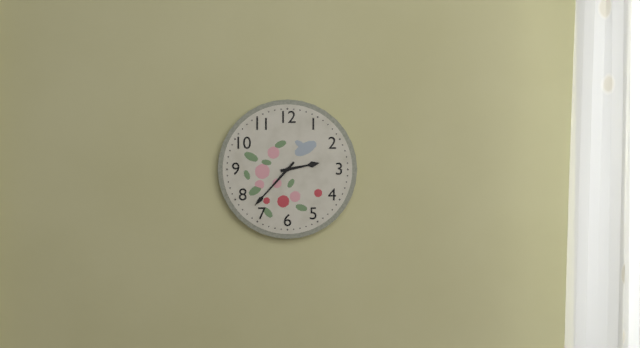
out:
2 h 37 min
